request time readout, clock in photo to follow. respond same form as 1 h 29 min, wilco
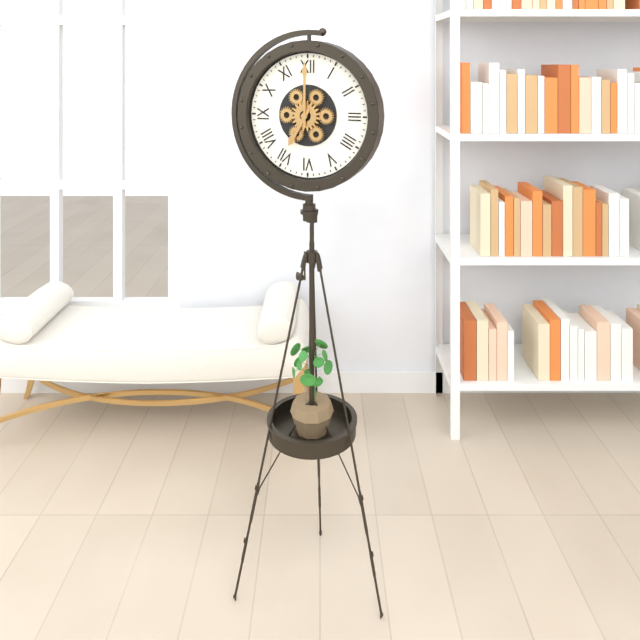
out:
7 h 00 min
